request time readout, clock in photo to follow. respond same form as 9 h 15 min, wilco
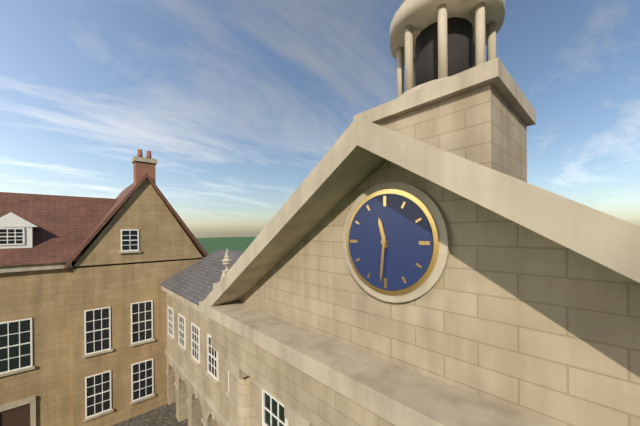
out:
11 h 31 min
